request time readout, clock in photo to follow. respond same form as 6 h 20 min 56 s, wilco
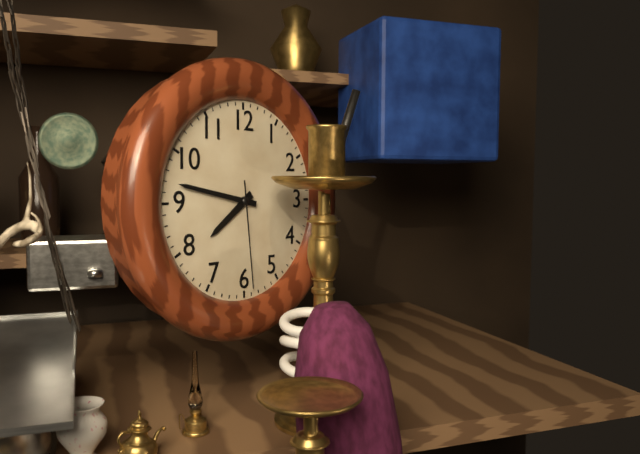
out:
7 h 47 min 29 s
